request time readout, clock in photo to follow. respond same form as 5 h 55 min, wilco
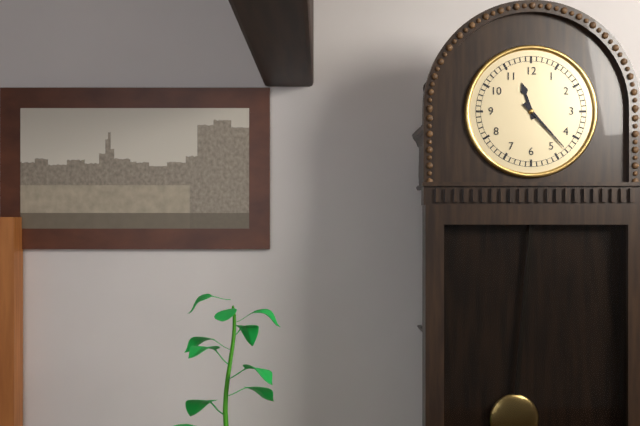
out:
11 h 23 min
